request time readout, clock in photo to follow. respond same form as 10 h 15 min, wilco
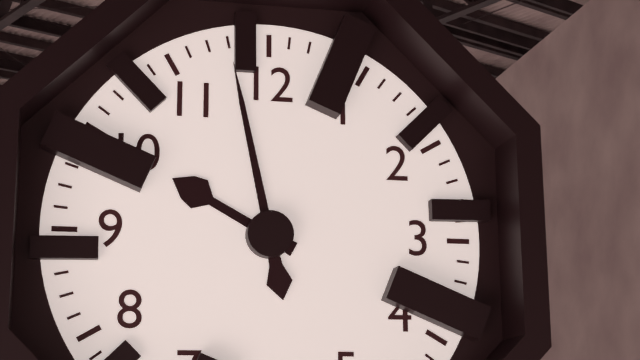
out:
9 h 58 min
